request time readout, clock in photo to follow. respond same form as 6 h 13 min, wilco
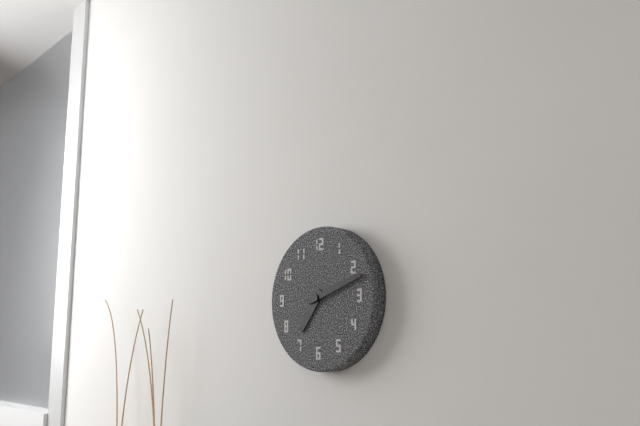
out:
7 h 12 min
